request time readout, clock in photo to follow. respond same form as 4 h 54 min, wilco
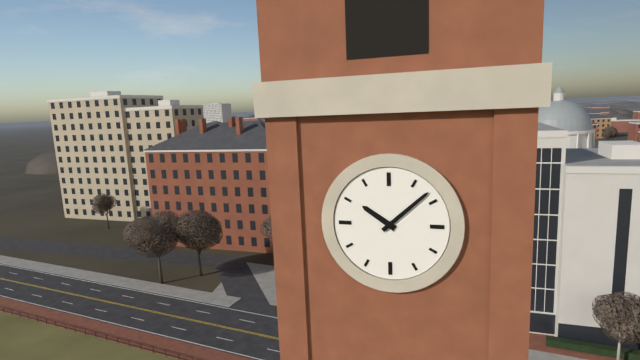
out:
10 h 08 min
